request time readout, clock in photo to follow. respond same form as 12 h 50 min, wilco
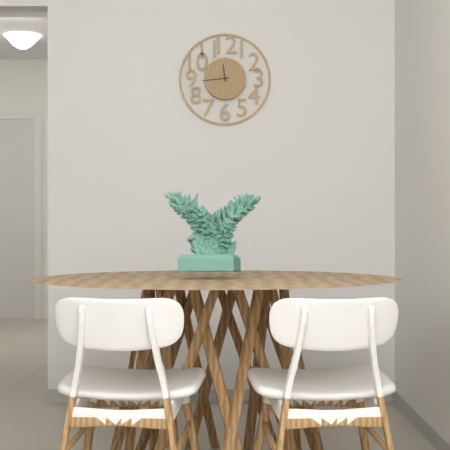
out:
11 h 44 min
